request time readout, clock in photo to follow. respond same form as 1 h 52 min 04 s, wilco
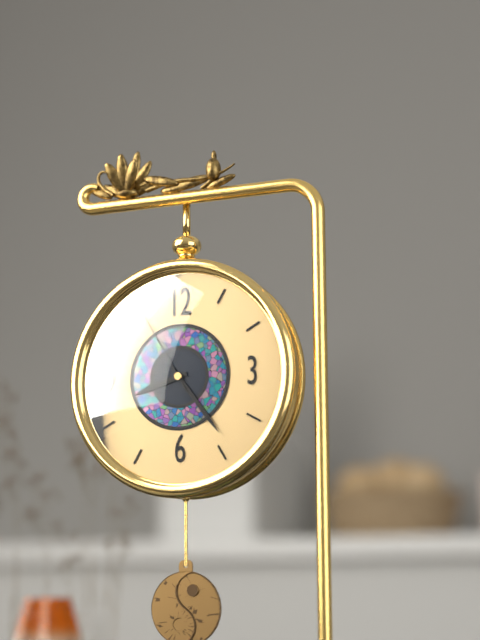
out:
8 h 24 min 55 s
